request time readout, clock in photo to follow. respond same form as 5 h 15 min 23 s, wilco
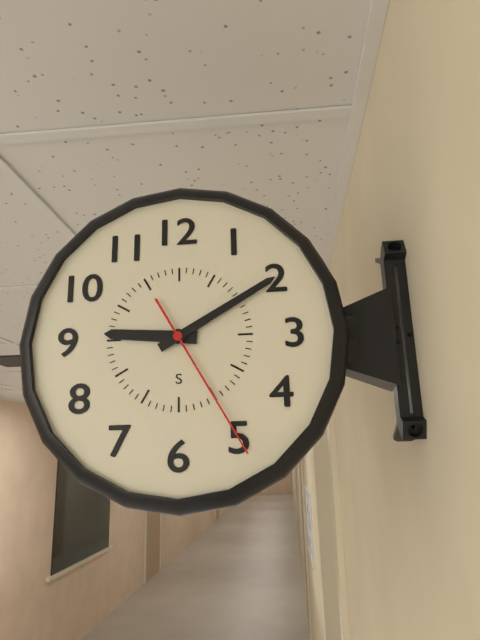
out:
9 h 10 min 25 s
